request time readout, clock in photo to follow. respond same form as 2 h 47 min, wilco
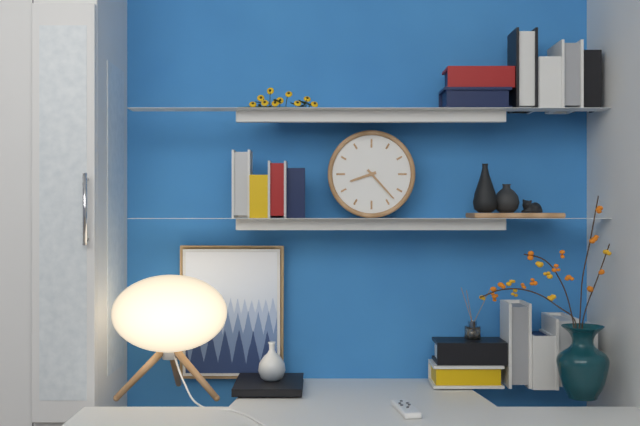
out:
8 h 23 min
